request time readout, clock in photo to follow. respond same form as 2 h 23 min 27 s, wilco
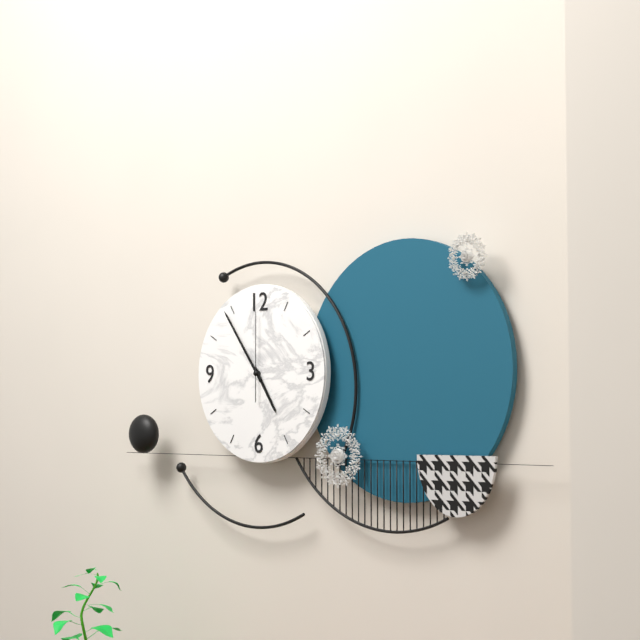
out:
4 h 54 min 00 s
